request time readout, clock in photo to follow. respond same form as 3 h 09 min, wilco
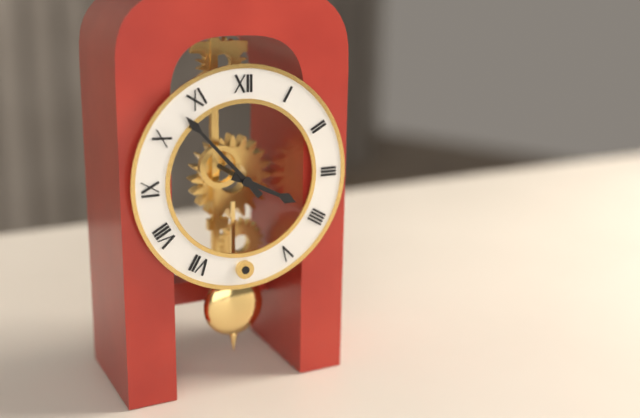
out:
3 h 53 min
